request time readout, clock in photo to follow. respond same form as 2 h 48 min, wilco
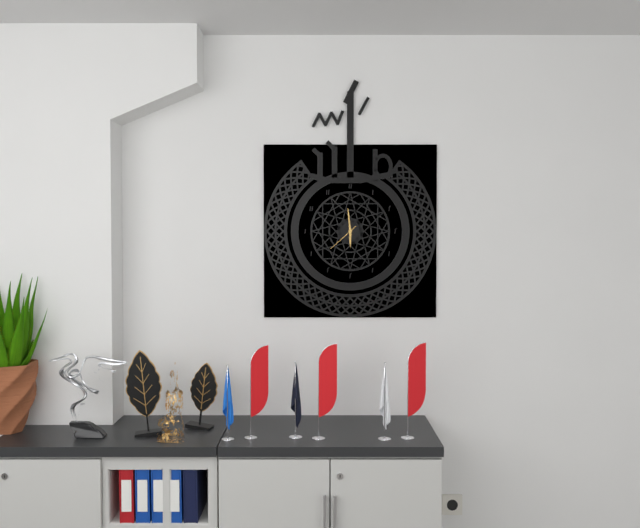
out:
5 h 59 min
